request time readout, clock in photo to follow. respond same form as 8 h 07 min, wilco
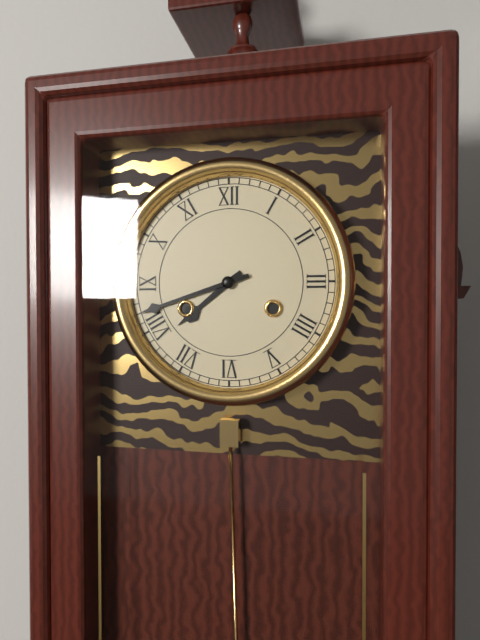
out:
7 h 42 min
